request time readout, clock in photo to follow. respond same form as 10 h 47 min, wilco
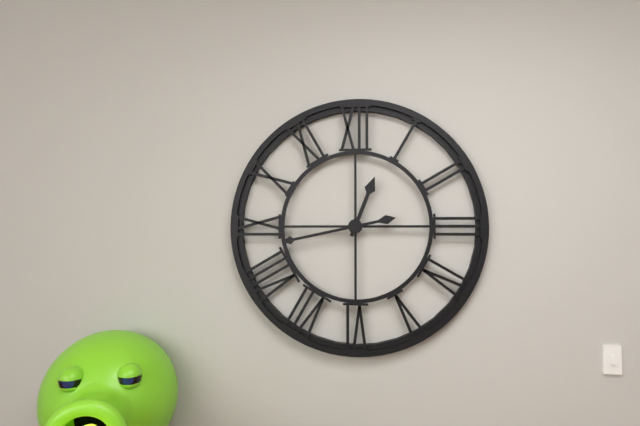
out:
12 h 43 min
